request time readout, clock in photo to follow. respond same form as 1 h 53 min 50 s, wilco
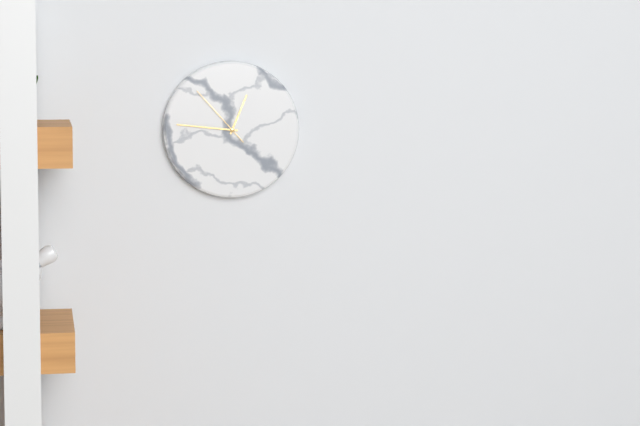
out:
12 h 46 min 53 s
